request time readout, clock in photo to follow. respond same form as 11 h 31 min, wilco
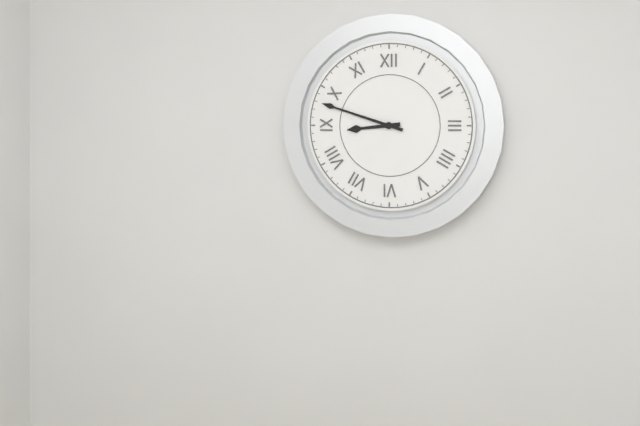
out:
8 h 48 min
